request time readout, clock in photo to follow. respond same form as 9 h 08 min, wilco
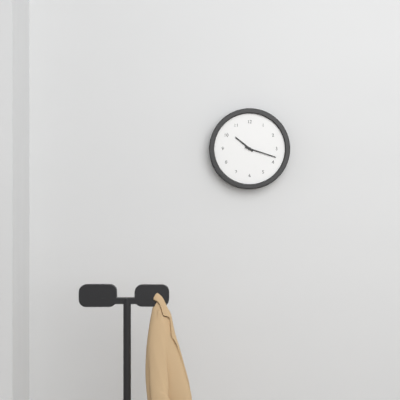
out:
10 h 18 min
